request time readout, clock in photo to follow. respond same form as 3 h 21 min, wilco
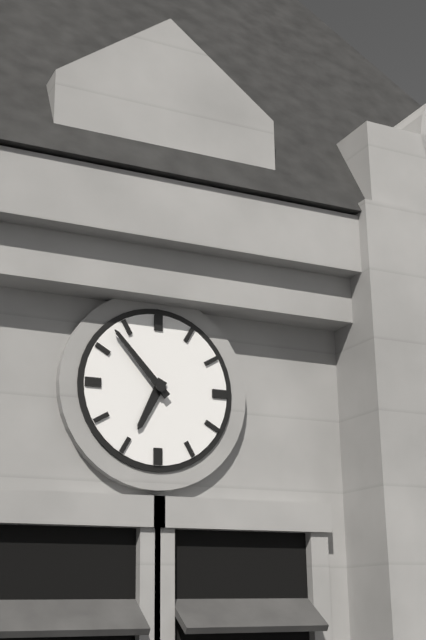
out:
6 h 53 min
